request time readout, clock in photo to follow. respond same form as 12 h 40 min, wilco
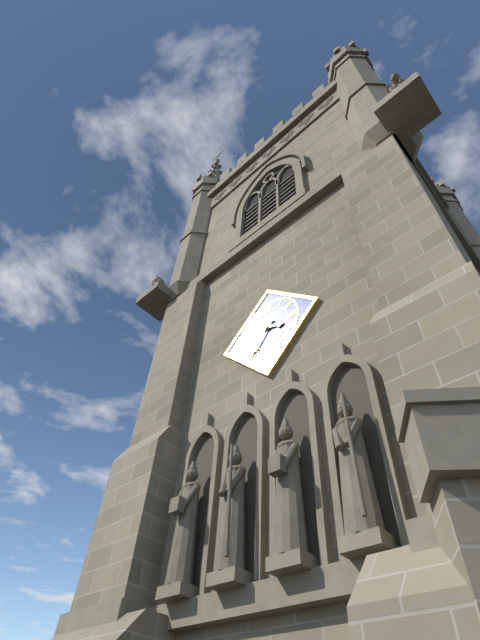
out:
3 h 36 min
